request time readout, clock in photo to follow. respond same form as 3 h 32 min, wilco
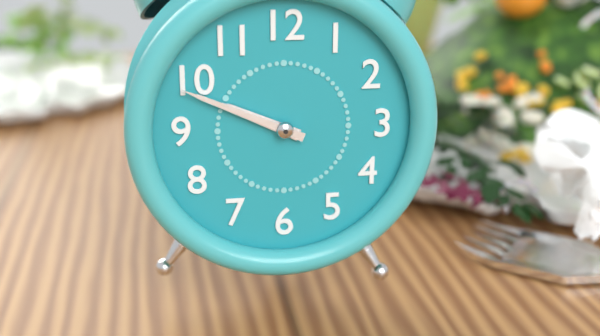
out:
9 h 49 min
